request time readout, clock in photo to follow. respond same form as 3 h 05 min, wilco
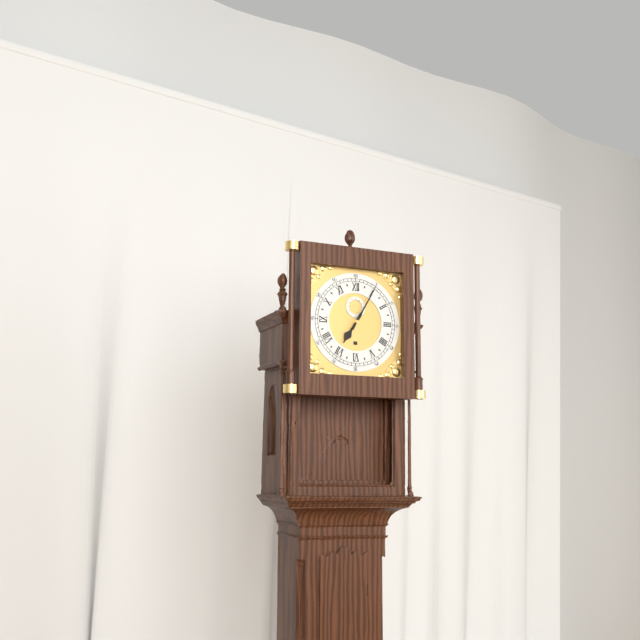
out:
7 h 05 min
